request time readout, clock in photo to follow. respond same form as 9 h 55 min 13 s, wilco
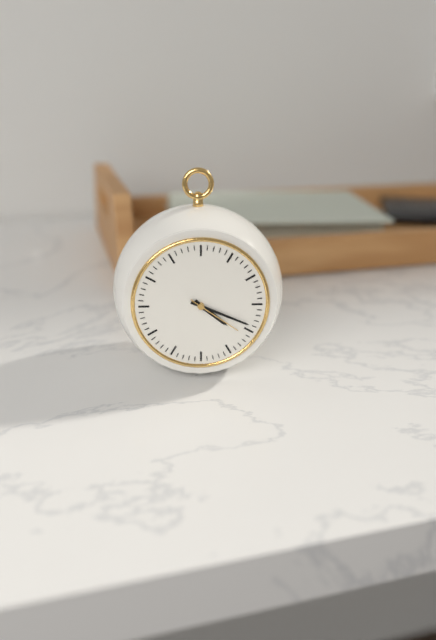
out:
4 h 19 min 21 s
